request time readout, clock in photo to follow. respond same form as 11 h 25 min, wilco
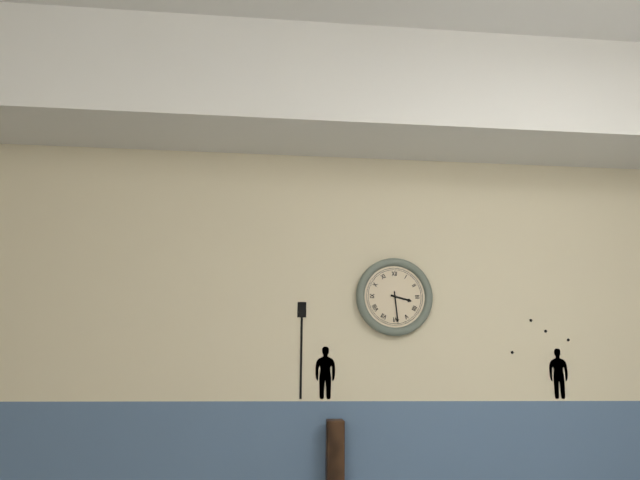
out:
3 h 29 min
